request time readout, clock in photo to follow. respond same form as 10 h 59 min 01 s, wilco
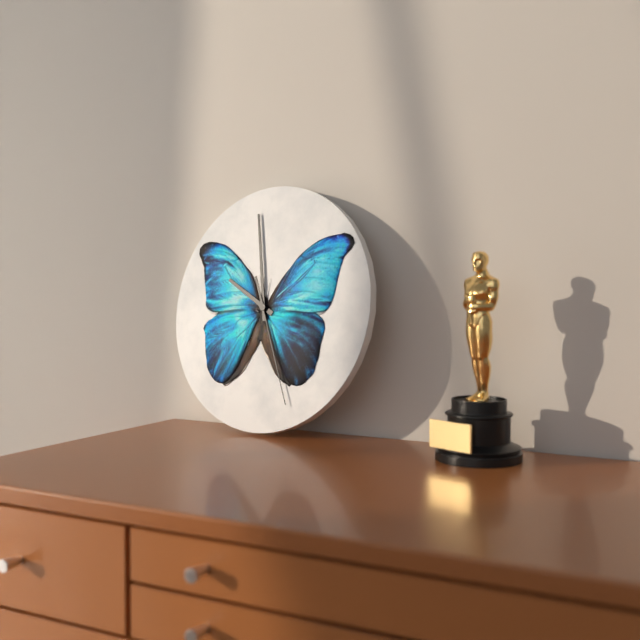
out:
9 h 58 min 26 s
